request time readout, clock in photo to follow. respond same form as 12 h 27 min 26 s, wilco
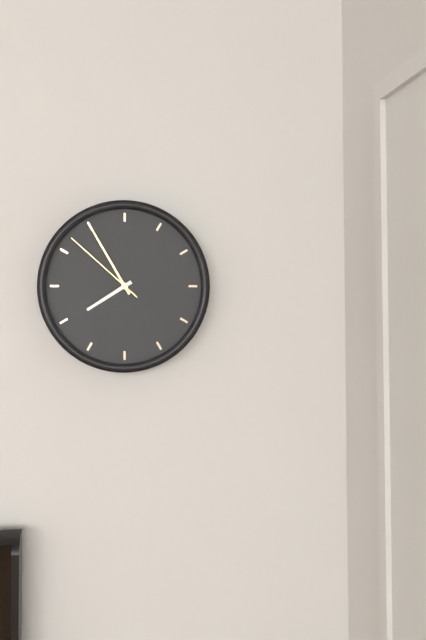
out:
7 h 55 min 52 s
